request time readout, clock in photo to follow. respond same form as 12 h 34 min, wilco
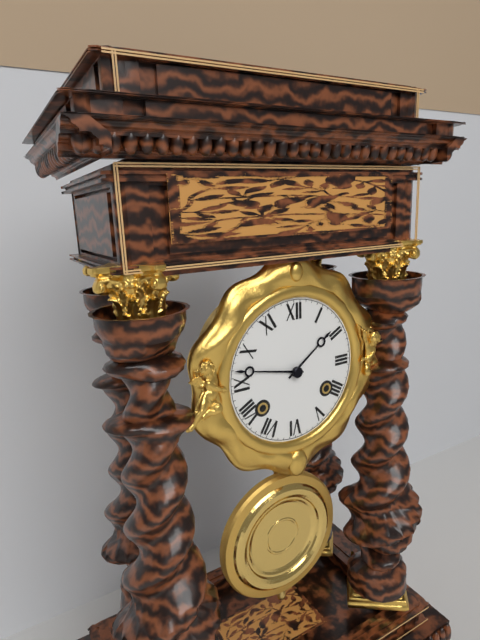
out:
1 h 47 min
